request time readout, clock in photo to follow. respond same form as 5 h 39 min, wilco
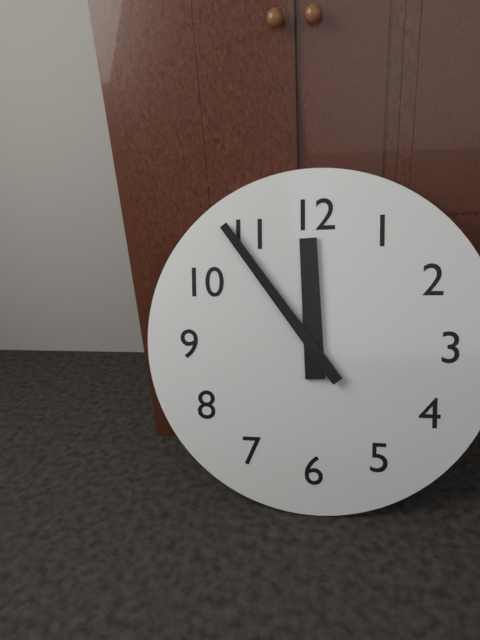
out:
11 h 54 min
